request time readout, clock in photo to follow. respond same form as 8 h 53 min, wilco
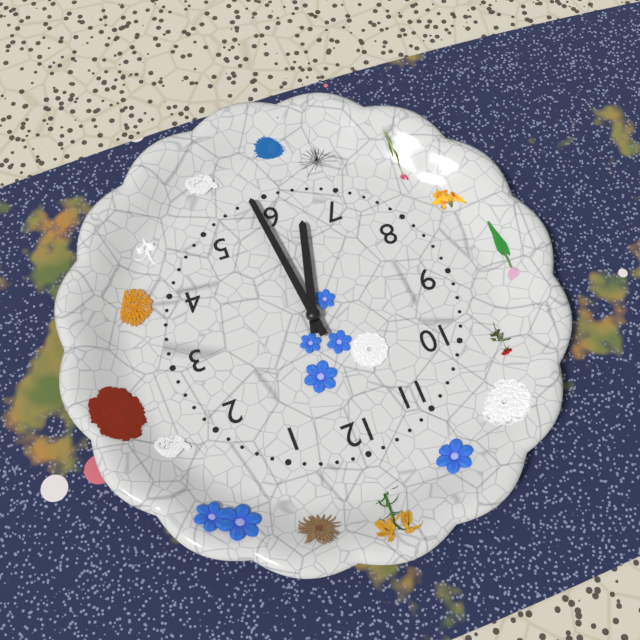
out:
6 h 29 min
